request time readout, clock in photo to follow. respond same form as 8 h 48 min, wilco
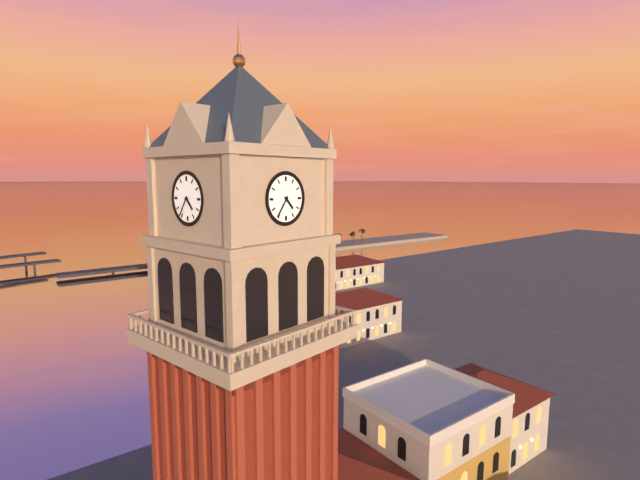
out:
4 h 36 min
